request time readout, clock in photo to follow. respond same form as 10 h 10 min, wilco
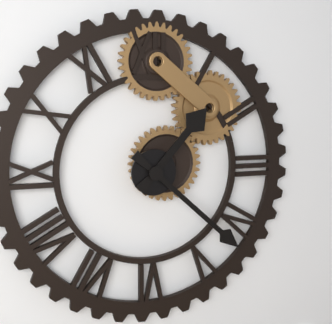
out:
1 h 22 min
